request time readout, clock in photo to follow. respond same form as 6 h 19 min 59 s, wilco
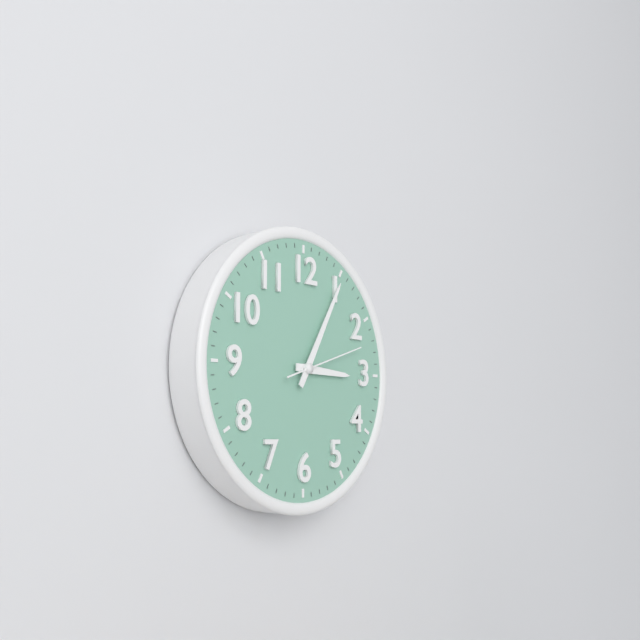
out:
3 h 05 min 12 s
